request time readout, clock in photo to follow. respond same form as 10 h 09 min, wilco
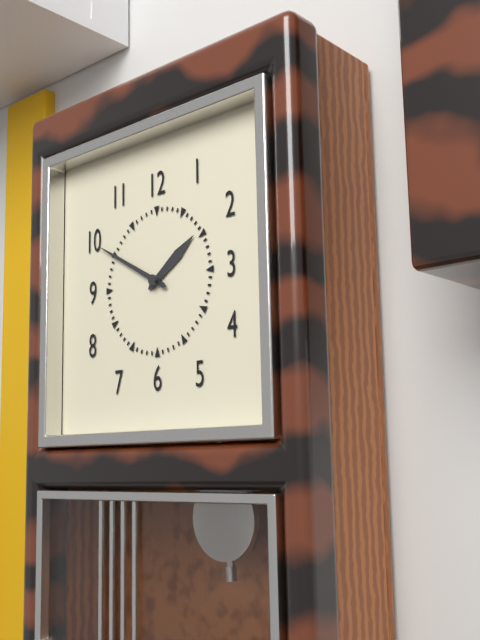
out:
1 h 50 min
